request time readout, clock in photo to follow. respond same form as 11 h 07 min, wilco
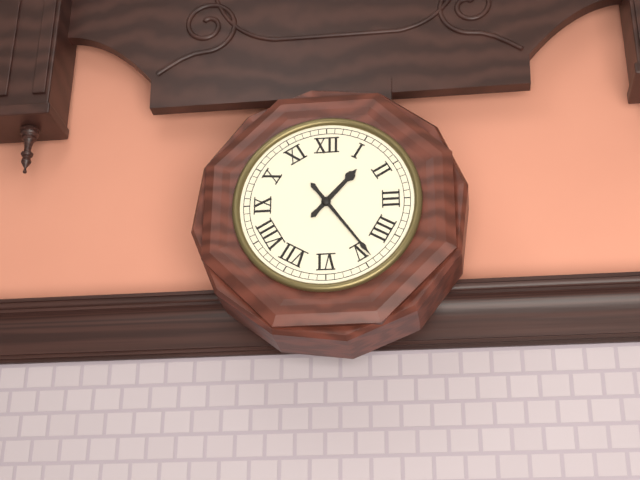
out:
1 h 24 min
